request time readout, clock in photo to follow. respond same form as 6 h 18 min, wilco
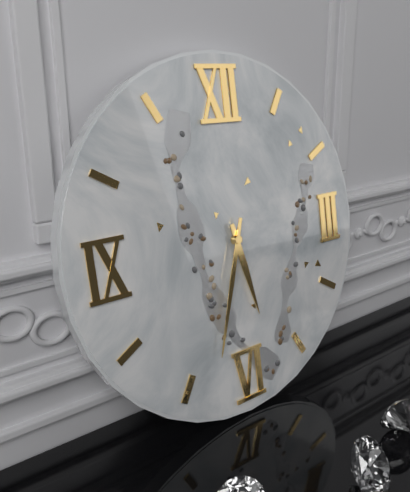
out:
5 h 33 min
